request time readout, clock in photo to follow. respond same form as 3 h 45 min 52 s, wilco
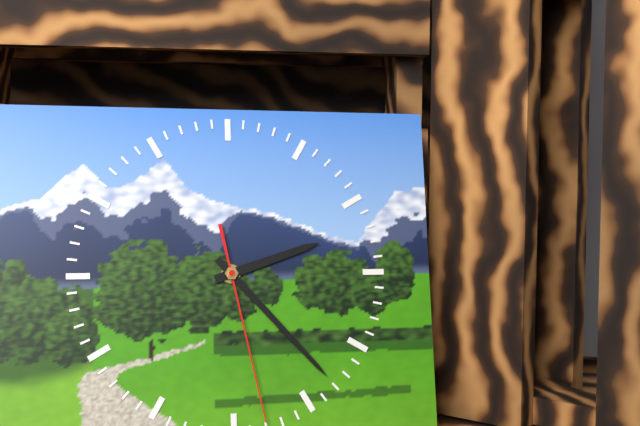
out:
2 h 23 min 28 s
